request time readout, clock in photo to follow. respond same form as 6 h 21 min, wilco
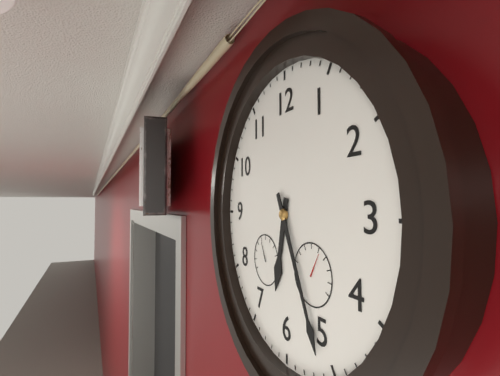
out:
6 h 26 min
